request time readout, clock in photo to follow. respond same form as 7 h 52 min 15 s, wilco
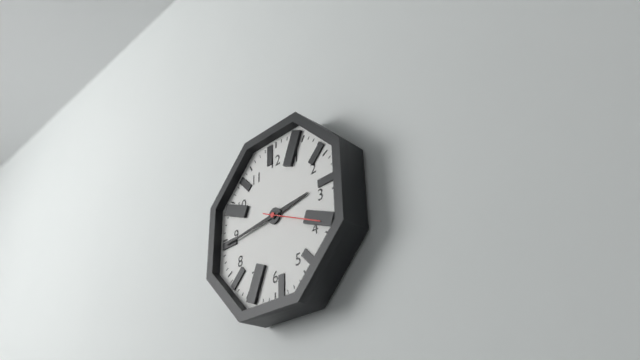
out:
2 h 44 min 19 s
